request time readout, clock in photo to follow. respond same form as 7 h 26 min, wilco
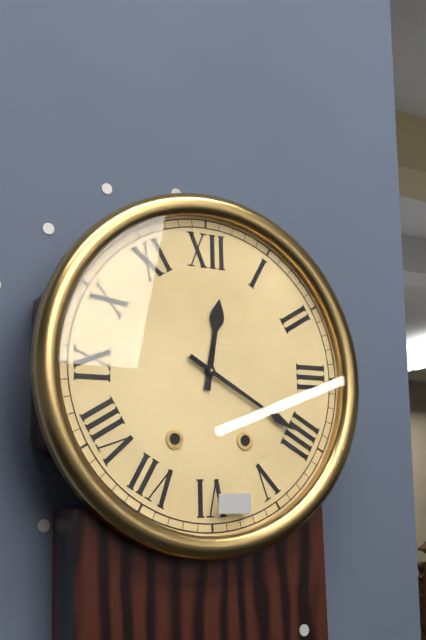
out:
12 h 20 min
